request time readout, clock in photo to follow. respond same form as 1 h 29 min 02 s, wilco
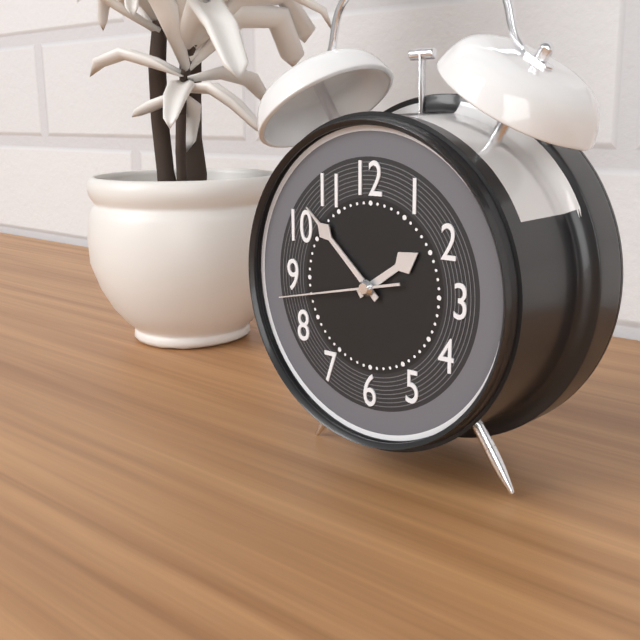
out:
1 h 52 min 43 s
